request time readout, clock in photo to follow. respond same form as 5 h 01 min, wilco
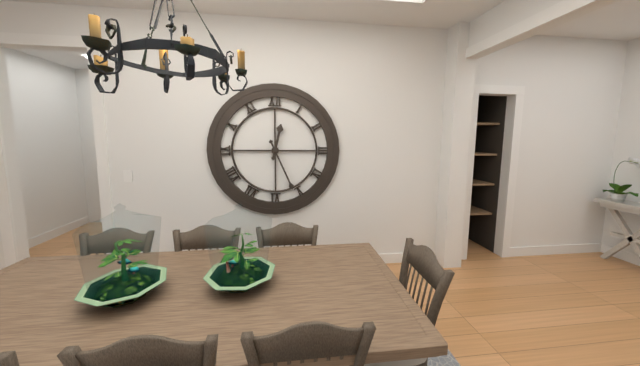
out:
12 h 26 min
